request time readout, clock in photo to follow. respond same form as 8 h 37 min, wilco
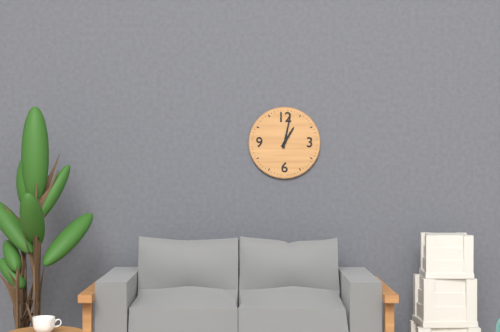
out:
1 h 02 min
